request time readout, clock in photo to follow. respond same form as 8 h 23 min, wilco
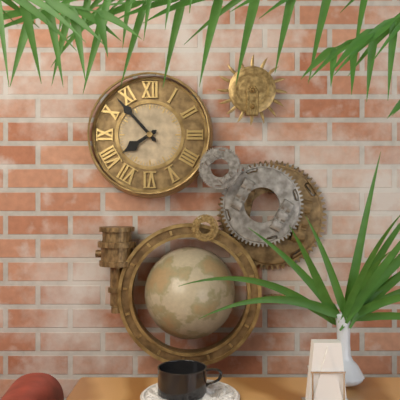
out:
7 h 53 min
